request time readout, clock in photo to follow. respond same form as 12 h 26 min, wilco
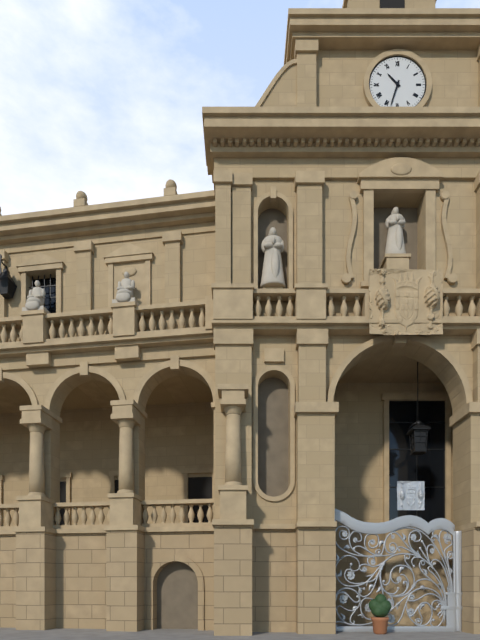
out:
10 h 33 min
